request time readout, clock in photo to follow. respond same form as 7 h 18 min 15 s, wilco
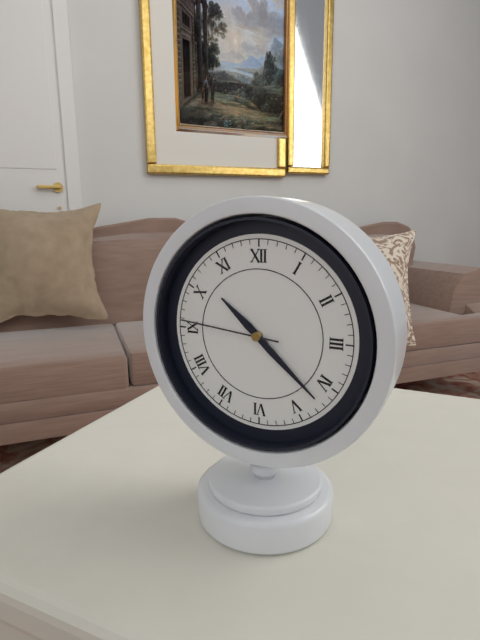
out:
10 h 22 min 46 s
